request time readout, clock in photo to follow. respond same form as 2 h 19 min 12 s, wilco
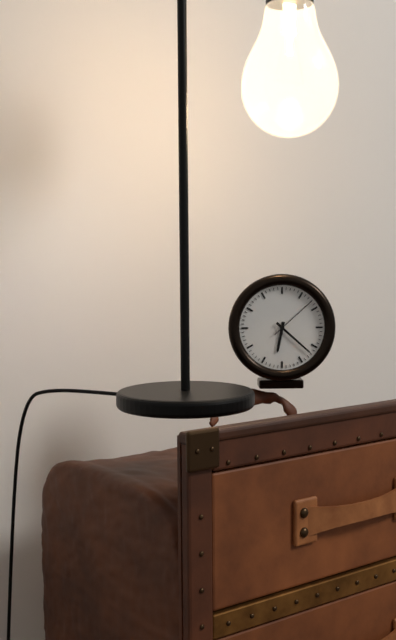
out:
6 h 22 min 08 s
